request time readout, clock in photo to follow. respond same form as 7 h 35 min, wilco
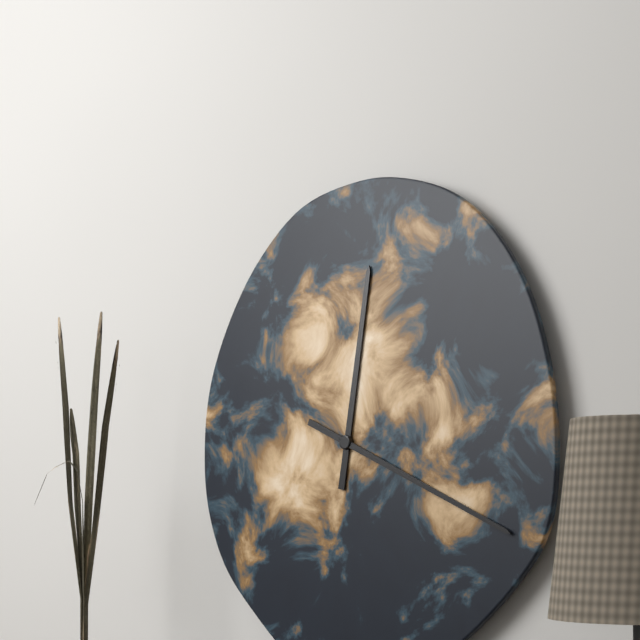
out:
12 h 19 min
